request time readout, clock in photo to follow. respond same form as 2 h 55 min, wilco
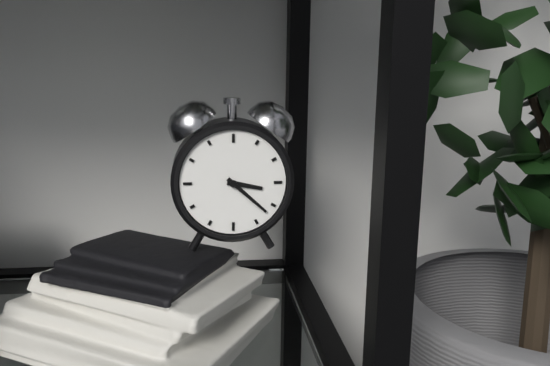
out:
3 h 22 min
